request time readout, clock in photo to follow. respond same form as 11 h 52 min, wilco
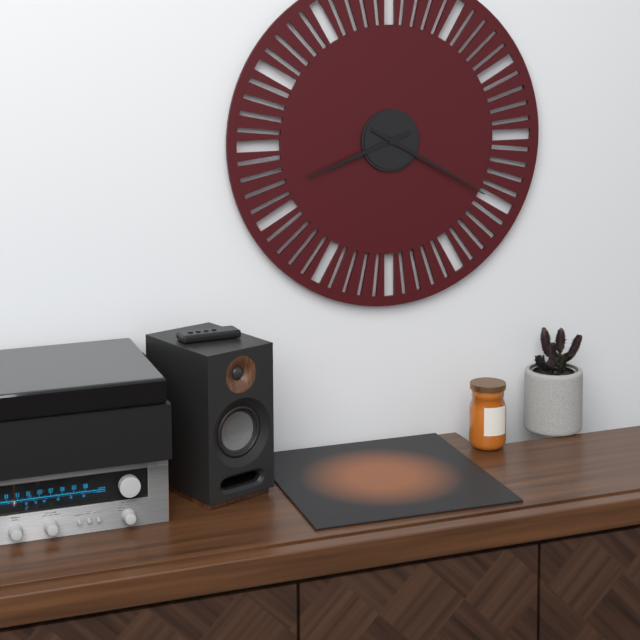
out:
8 h 20 min
